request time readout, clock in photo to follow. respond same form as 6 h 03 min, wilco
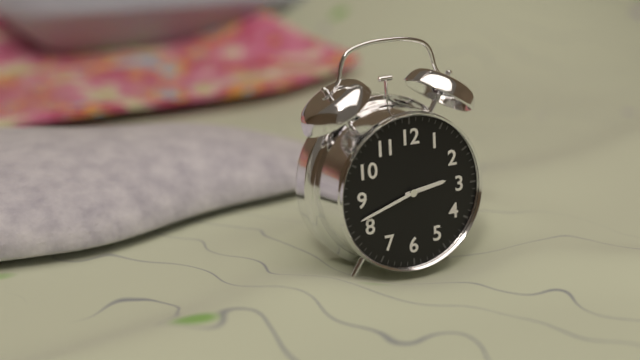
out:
2 h 42 min
